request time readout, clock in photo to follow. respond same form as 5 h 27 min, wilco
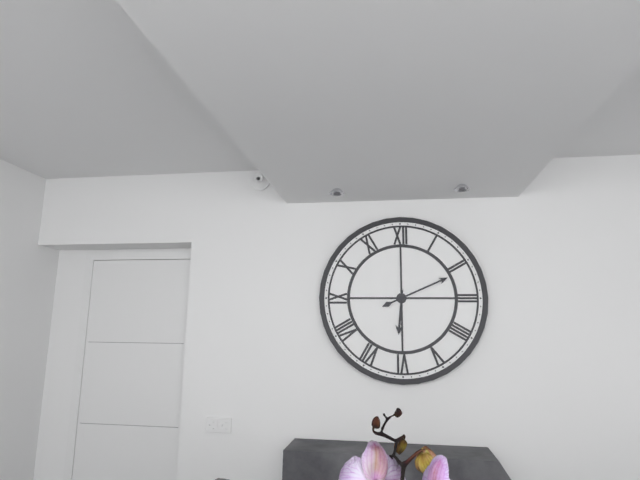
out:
6 h 11 min
